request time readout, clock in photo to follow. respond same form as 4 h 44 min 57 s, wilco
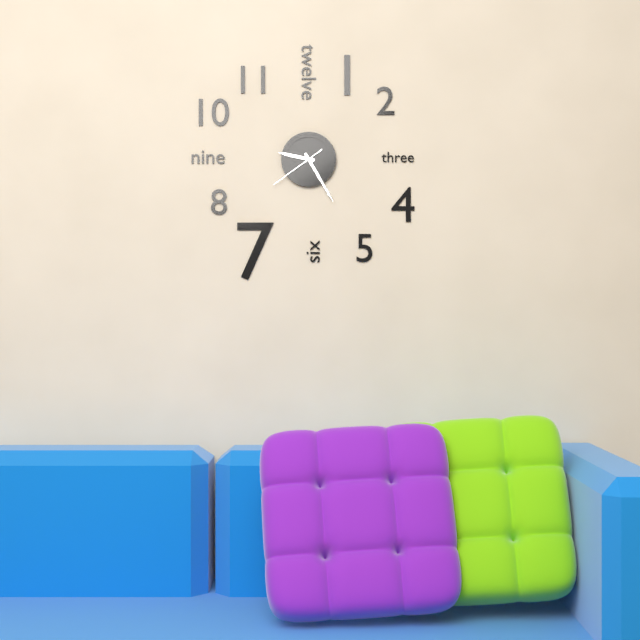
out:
9 h 25 min 39 s
